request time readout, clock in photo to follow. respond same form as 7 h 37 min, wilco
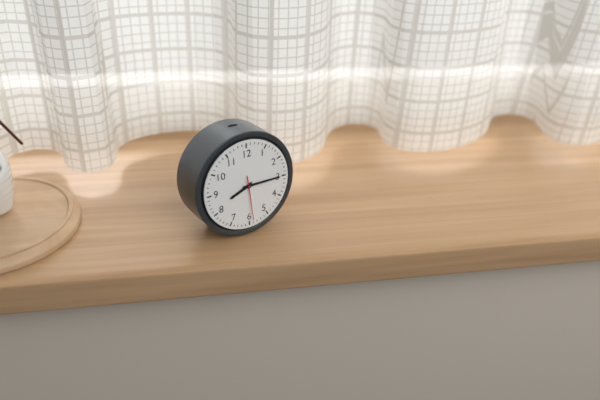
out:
8 h 15 min
